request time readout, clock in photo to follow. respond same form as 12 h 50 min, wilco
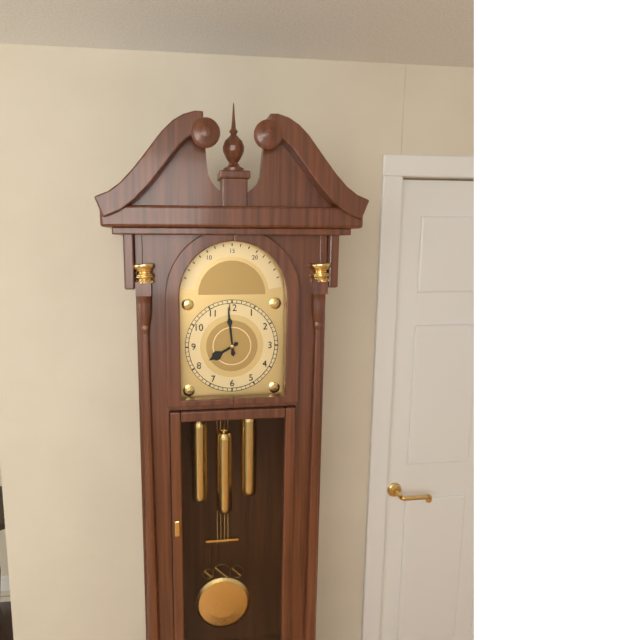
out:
7 h 59 min
